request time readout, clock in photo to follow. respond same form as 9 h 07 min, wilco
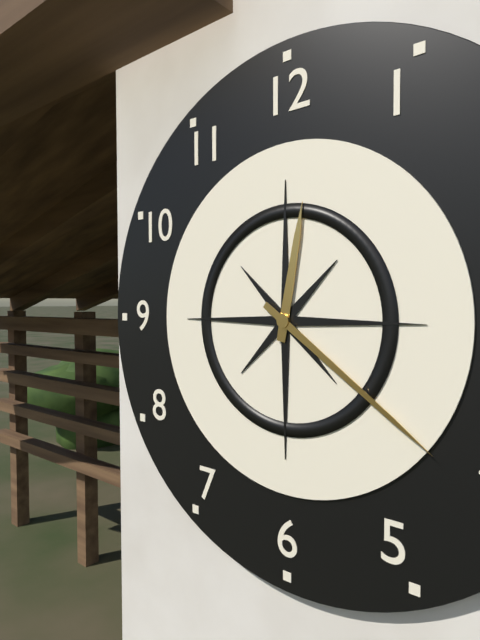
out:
12 h 21 min
